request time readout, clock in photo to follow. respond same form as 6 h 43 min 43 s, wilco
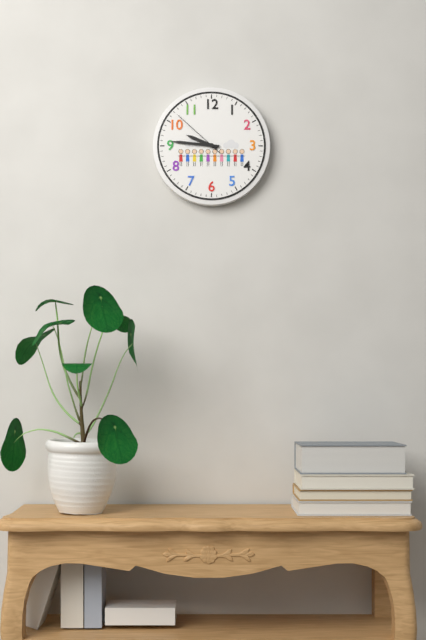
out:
9 h 46 min 52 s
